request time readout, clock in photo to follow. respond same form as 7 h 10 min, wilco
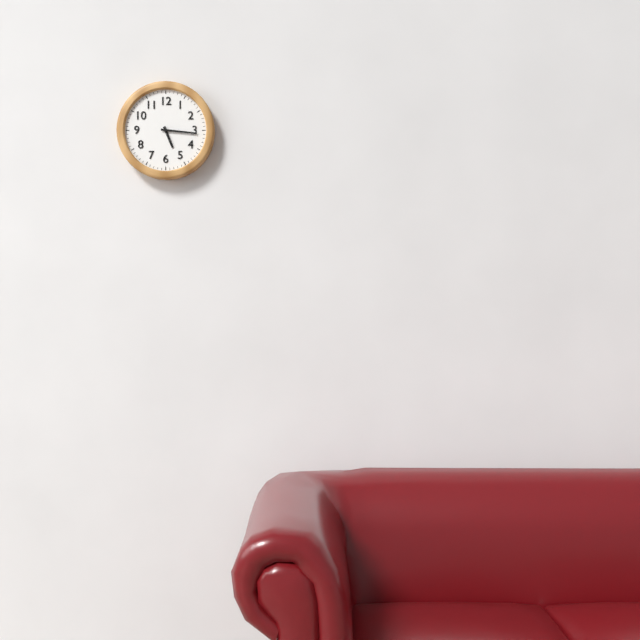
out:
5 h 16 min
